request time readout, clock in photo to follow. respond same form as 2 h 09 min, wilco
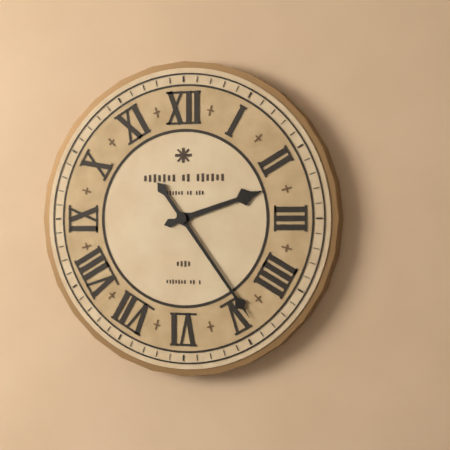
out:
2 h 24 min
